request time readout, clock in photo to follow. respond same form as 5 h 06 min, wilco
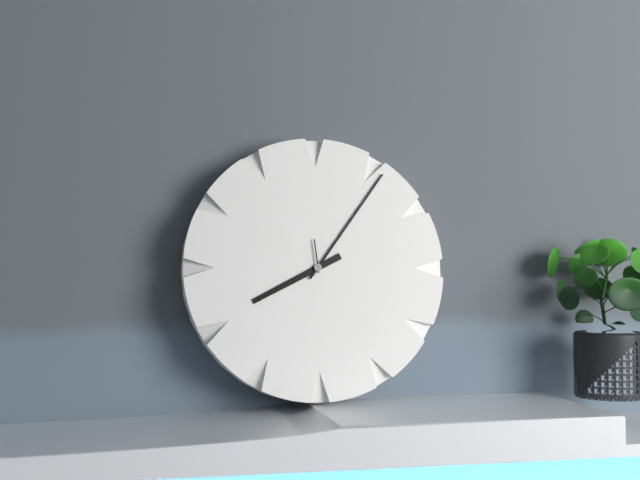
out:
8 h 06 min
